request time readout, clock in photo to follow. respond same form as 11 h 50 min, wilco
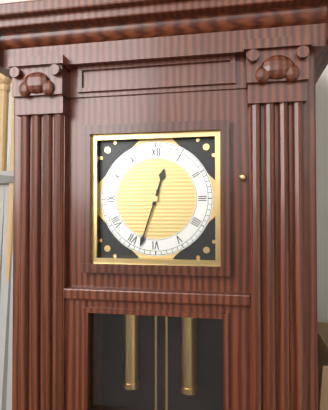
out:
12 h 33 min
